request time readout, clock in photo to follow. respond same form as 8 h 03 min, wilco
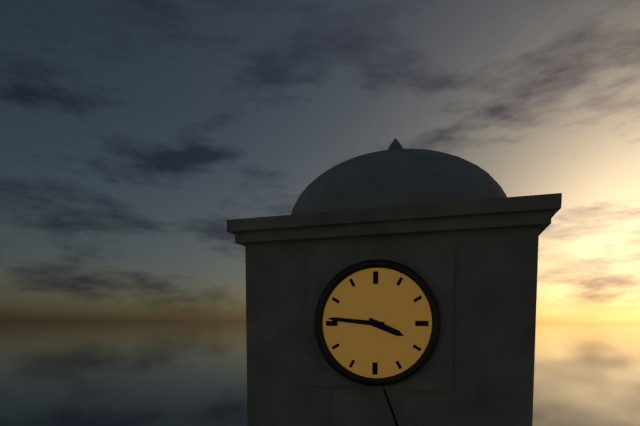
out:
3 h 46 min
